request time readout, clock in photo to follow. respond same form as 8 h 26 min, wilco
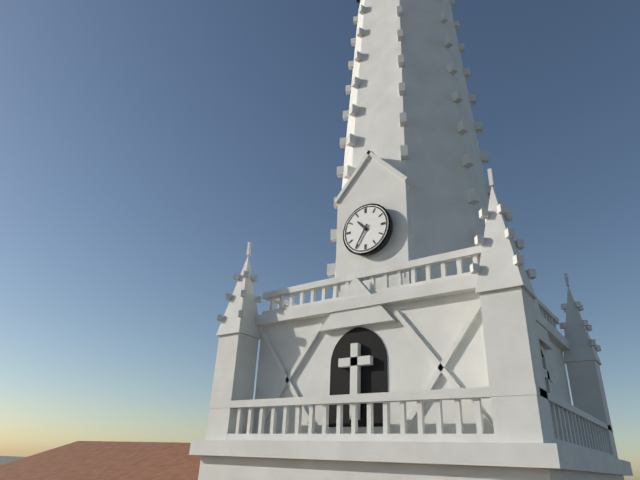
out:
10 h 35 min
